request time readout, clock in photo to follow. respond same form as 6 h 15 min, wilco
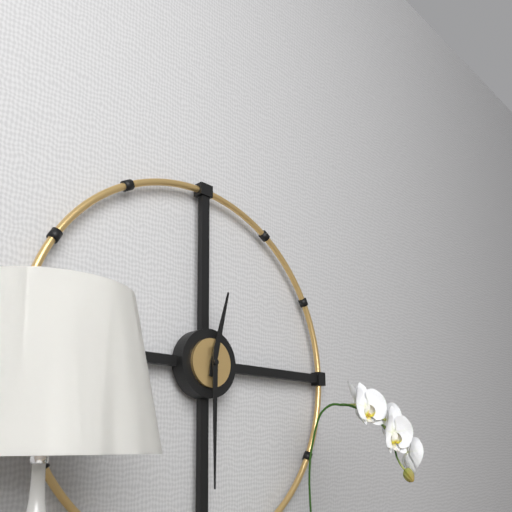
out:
12 h 30 min
